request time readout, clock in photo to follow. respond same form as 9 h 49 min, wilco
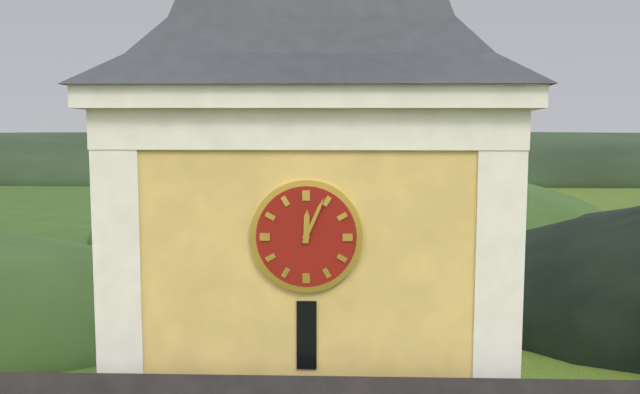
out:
12 h 04 min
